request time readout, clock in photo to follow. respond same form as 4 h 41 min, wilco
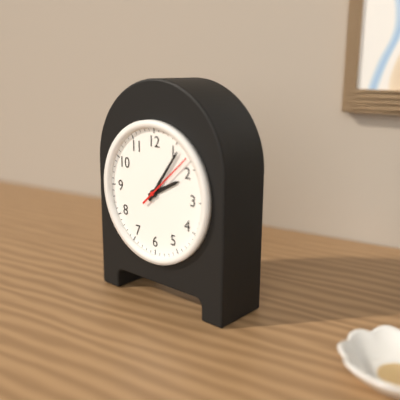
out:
2 h 06 min
